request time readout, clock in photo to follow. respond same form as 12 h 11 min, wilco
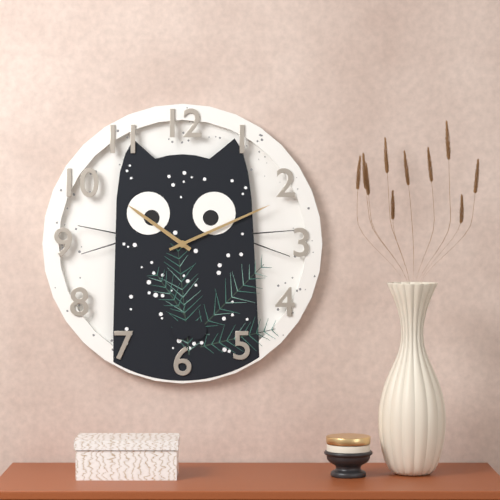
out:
10 h 11 min
